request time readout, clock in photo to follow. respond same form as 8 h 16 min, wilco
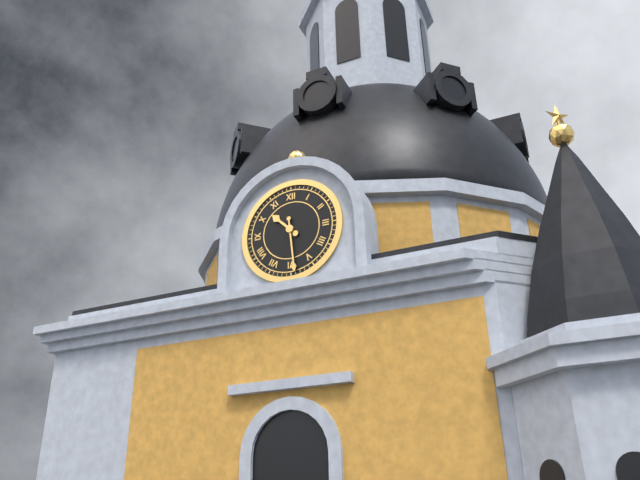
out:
10 h 29 min
